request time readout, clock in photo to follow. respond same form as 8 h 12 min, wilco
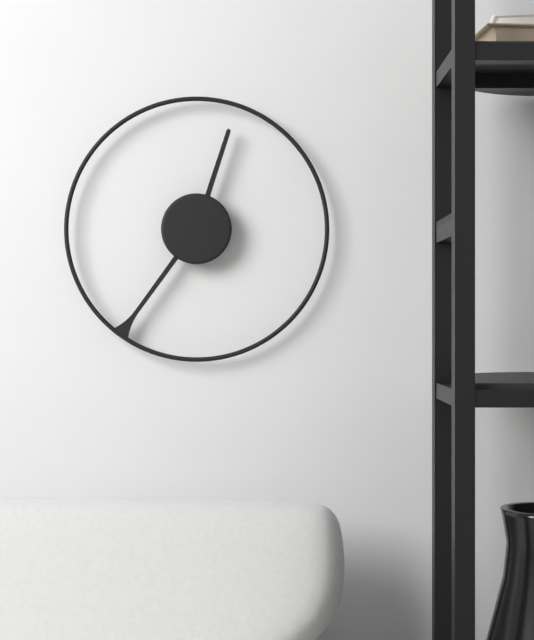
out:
12 h 36 min
